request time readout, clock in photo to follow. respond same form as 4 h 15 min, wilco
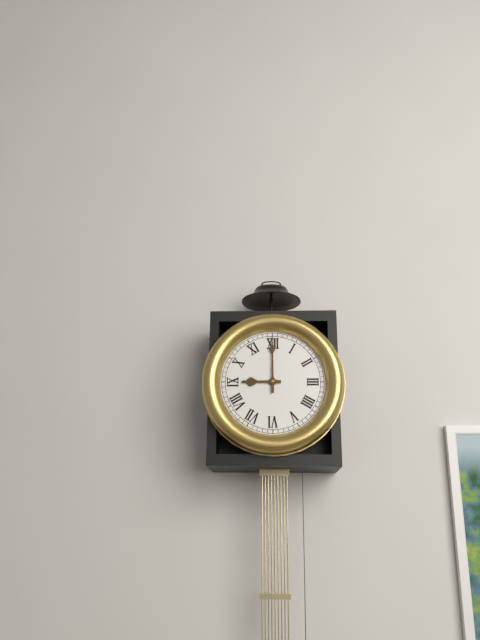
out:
9 h 00 min
